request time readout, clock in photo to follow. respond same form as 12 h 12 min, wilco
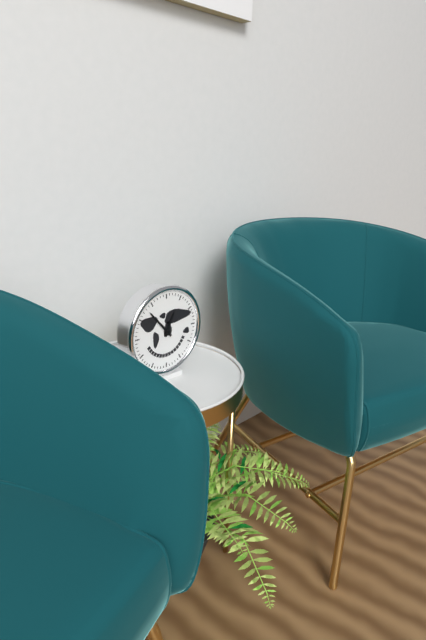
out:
12 h 53 min
